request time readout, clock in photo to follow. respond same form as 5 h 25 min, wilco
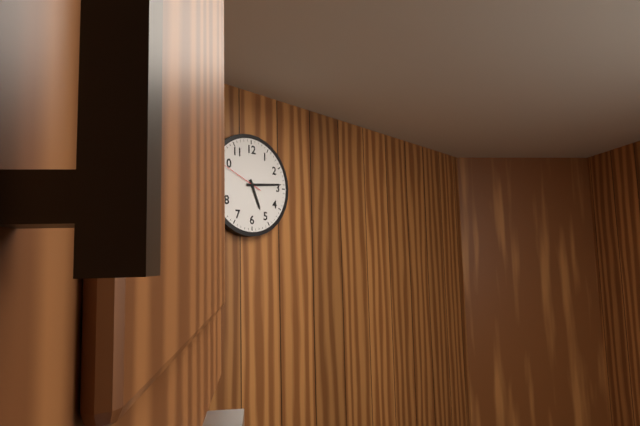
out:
5 h 14 min
